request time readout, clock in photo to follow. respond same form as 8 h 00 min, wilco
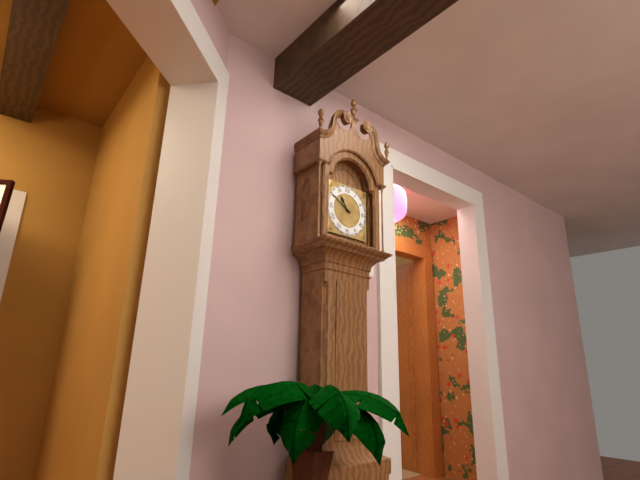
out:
10 h 50 min
